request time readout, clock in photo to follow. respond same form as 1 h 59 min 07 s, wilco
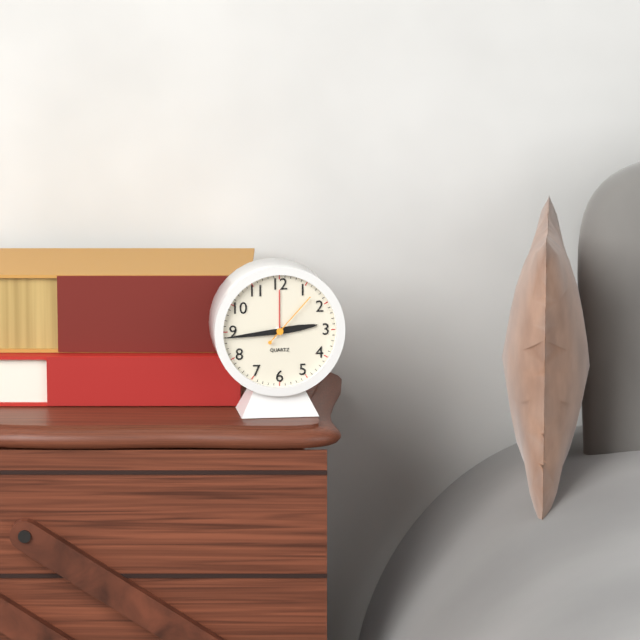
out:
2 h 44 min 07 s
